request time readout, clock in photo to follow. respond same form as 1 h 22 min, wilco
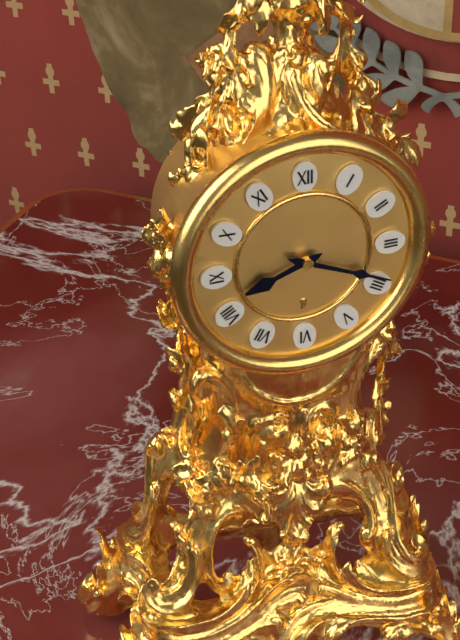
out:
8 h 19 min
